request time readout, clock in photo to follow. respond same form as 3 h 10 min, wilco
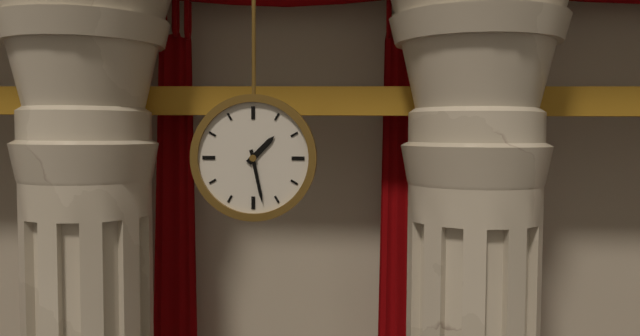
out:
1 h 28 min
